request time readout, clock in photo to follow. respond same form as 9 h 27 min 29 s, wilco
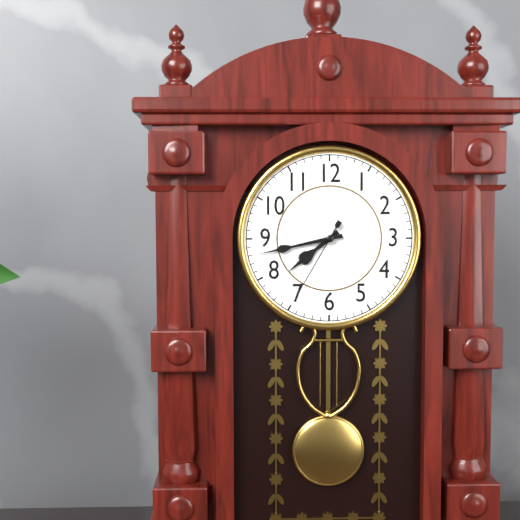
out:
7 h 43 min 35 s
